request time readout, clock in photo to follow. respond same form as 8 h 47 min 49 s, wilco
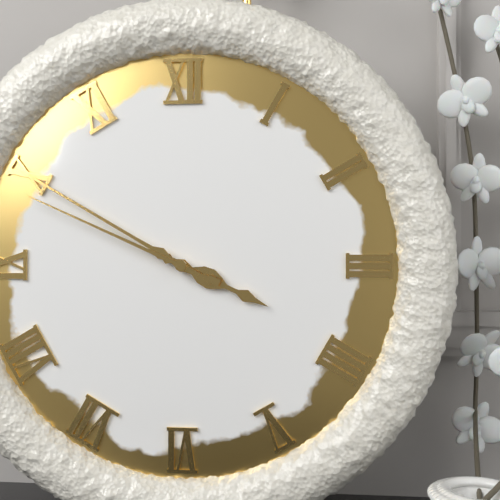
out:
3 h 50 min 49 s
